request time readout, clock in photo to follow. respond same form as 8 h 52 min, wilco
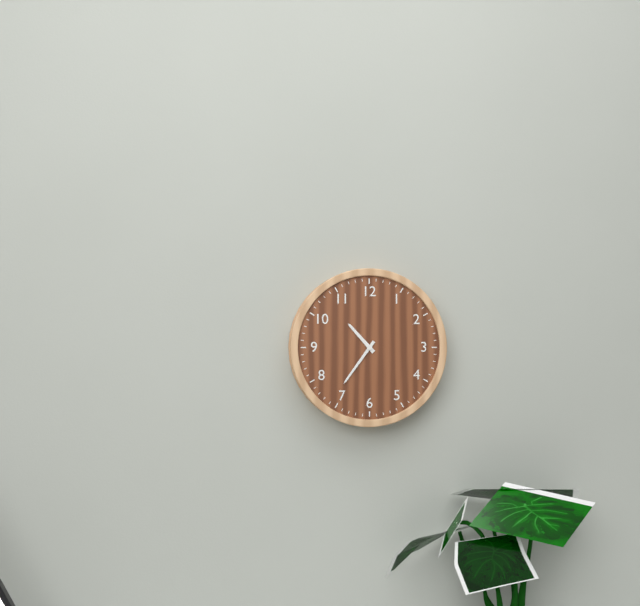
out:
10 h 36 min
